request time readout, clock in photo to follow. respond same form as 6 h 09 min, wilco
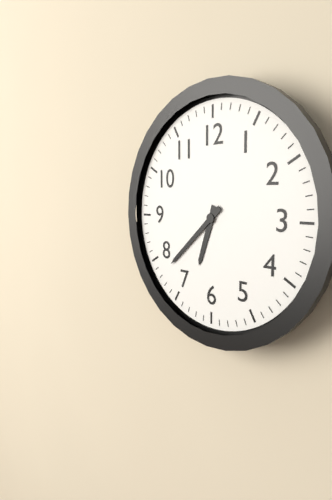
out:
6 h 38 min
